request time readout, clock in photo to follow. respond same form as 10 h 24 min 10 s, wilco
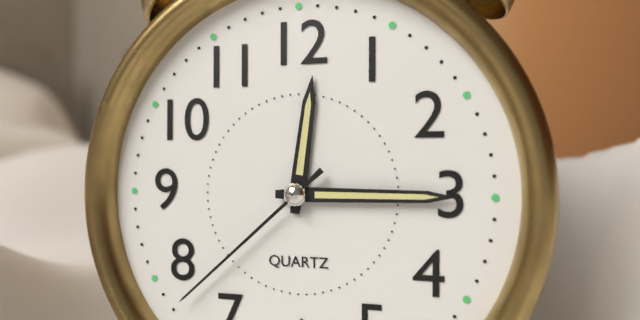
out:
12 h 15 min 38 s
